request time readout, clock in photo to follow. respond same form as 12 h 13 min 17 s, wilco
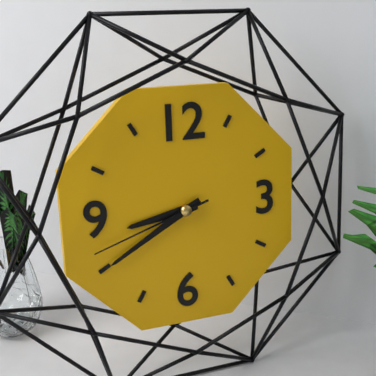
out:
8 h 40 min 42 s
